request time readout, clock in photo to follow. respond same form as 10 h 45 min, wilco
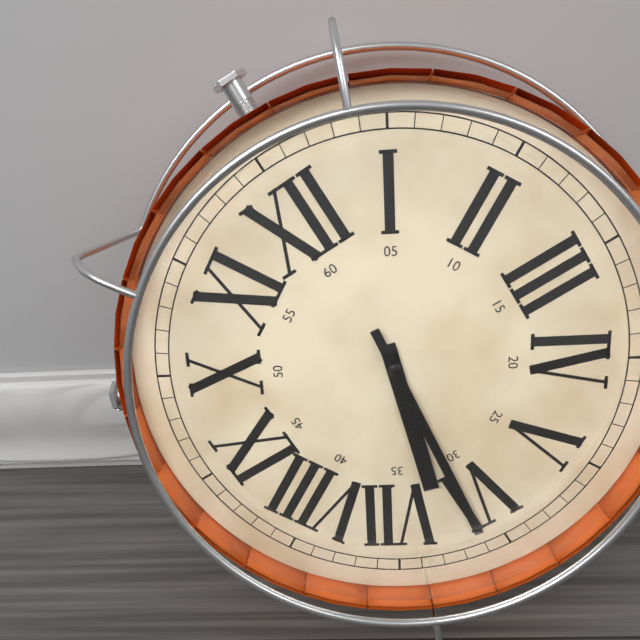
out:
6 h 31 min
